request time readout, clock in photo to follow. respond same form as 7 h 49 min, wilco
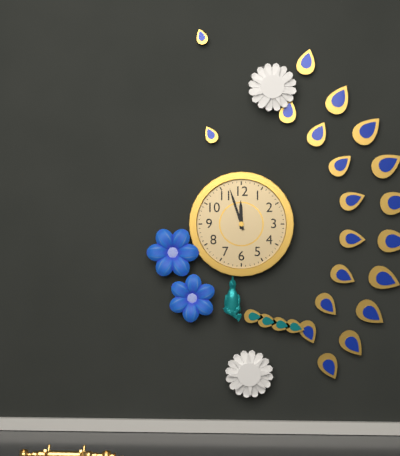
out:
11 h 57 min
